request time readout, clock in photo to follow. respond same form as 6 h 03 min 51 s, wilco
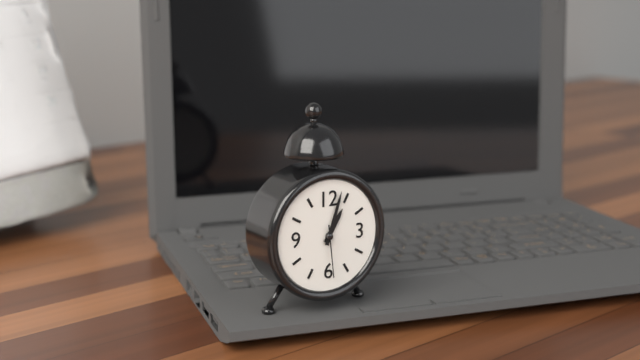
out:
1 h 03 min 29 s
